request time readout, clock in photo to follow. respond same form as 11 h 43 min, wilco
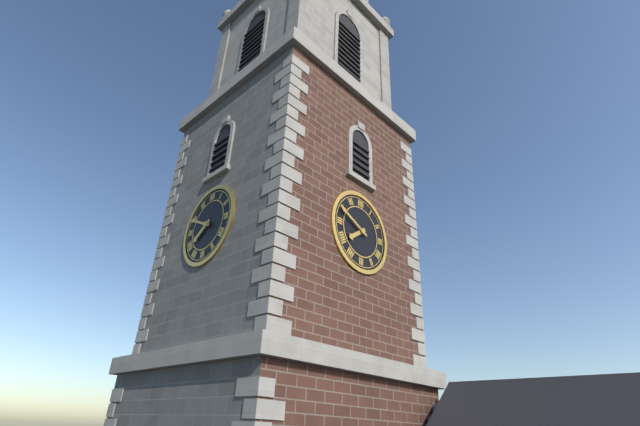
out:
7 h 49 min
